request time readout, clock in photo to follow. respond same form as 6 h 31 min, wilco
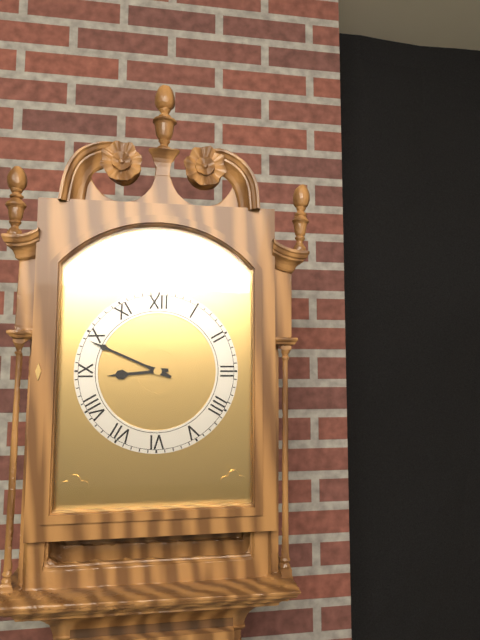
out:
8 h 49 min
